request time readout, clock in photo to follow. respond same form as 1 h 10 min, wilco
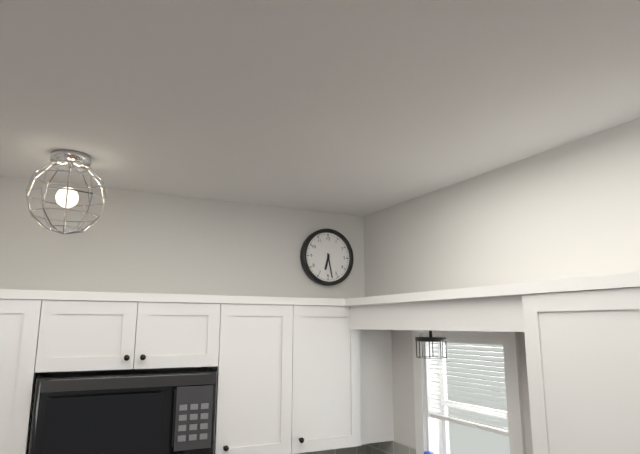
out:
6 h 28 min
